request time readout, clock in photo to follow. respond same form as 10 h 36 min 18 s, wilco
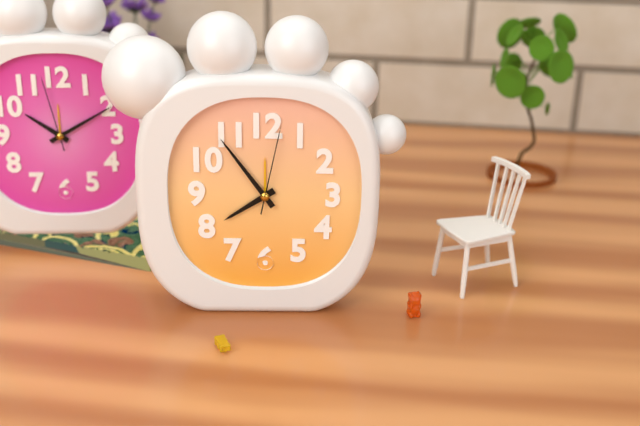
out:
7 h 54 min 02 s
